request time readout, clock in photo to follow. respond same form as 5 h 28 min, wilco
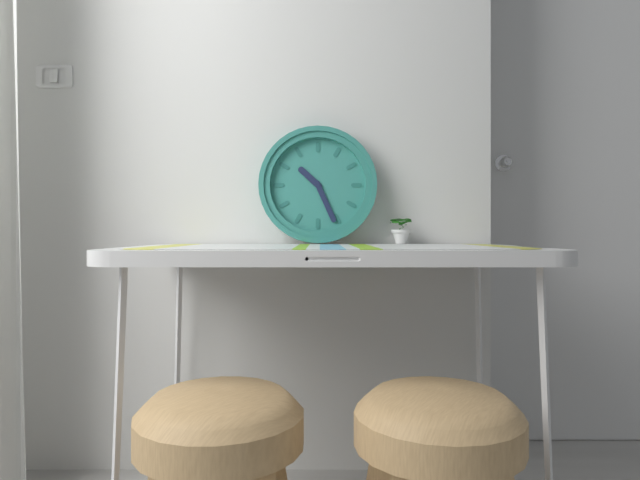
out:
10 h 26 min
